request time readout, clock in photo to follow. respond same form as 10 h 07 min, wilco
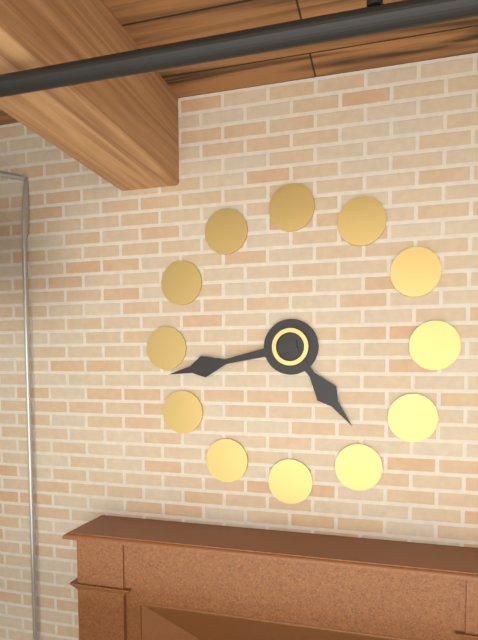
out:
4 h 43 min
